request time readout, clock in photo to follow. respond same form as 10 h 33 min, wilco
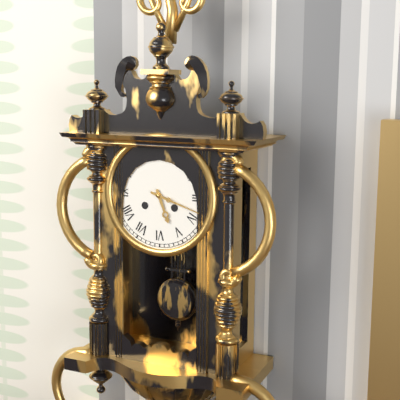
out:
5 h 18 min
